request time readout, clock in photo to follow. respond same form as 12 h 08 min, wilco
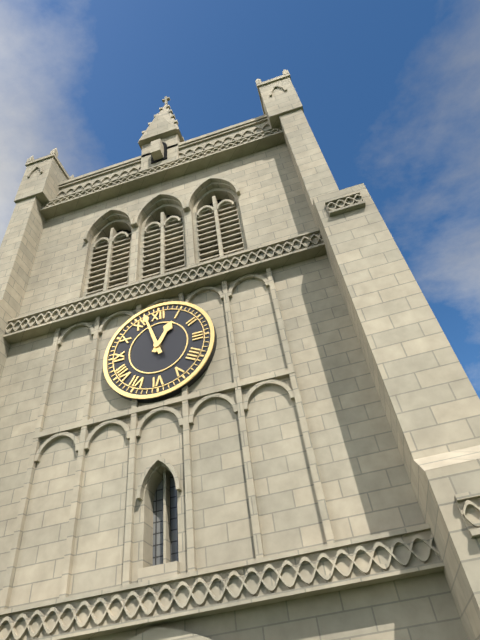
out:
12 h 57 min
